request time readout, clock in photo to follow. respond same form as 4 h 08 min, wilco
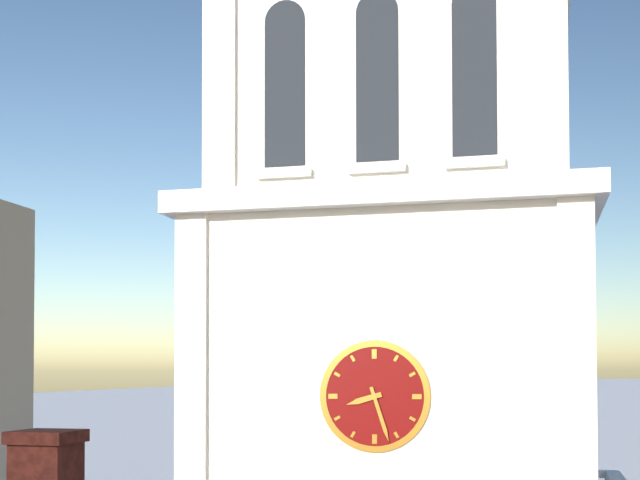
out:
8 h 27 min
